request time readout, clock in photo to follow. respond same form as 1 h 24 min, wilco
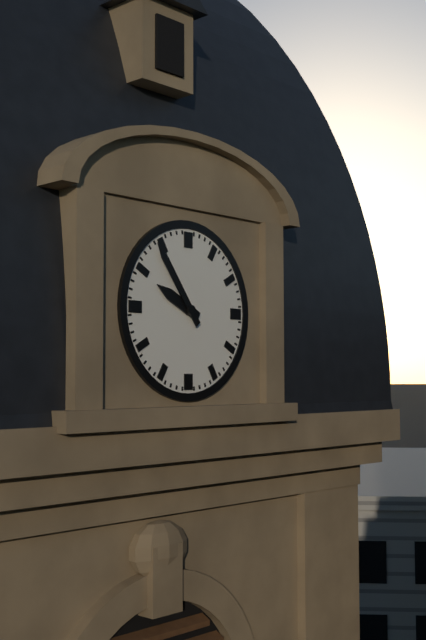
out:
9 h 54 min
